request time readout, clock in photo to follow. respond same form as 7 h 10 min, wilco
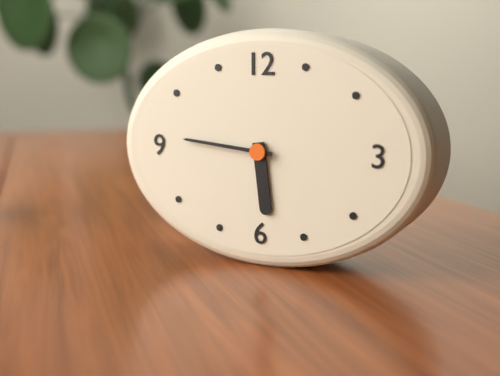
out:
5 h 46 min
